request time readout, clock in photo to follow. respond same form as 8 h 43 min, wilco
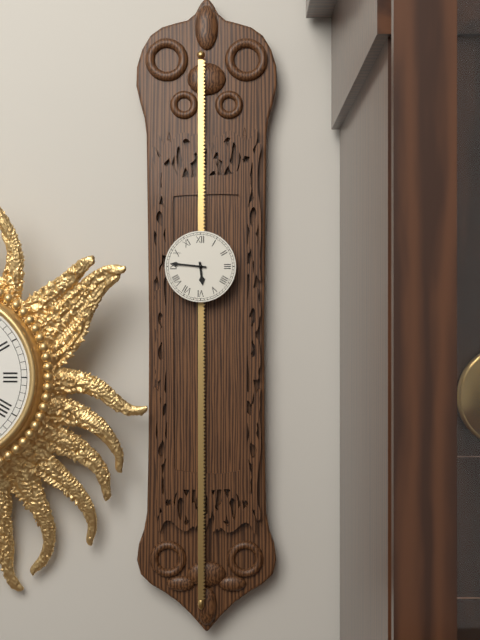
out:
5 h 46 min
